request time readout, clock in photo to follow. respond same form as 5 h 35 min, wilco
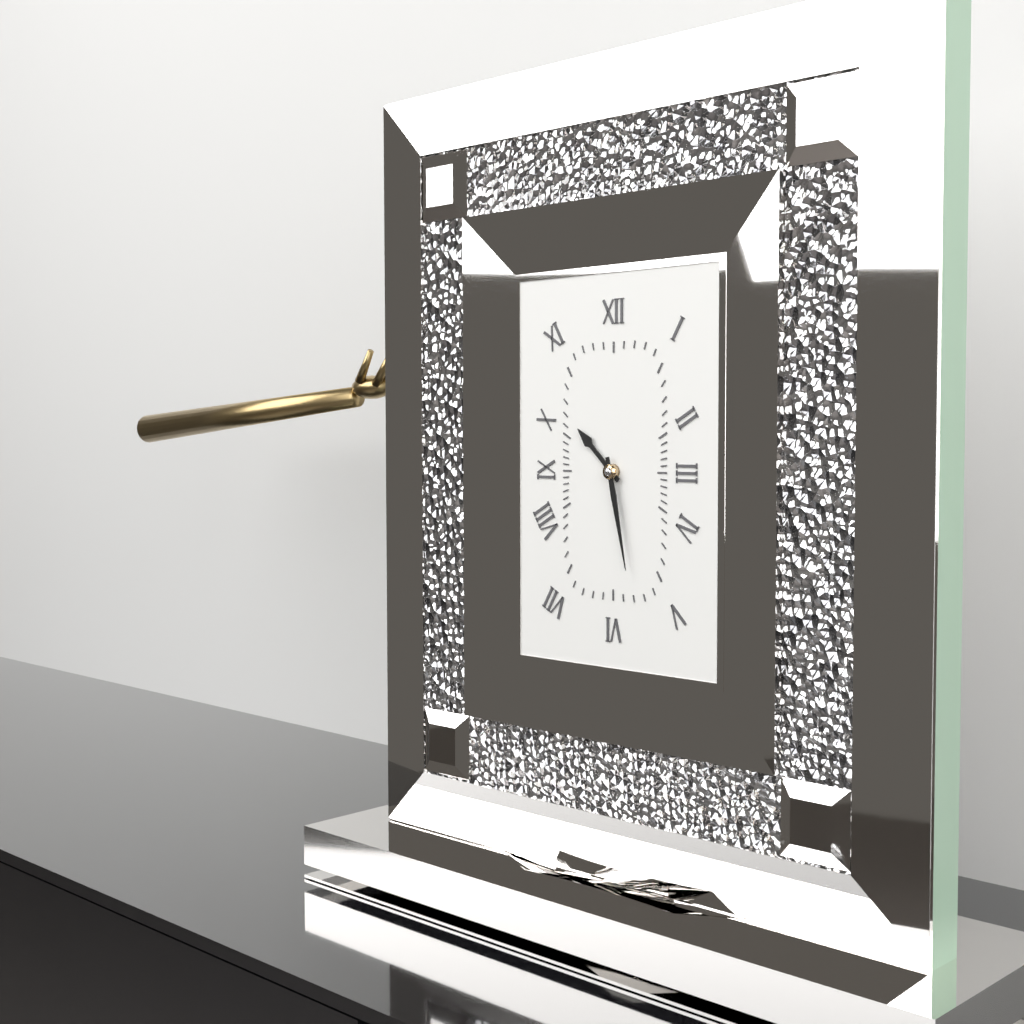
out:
10 h 28 min
